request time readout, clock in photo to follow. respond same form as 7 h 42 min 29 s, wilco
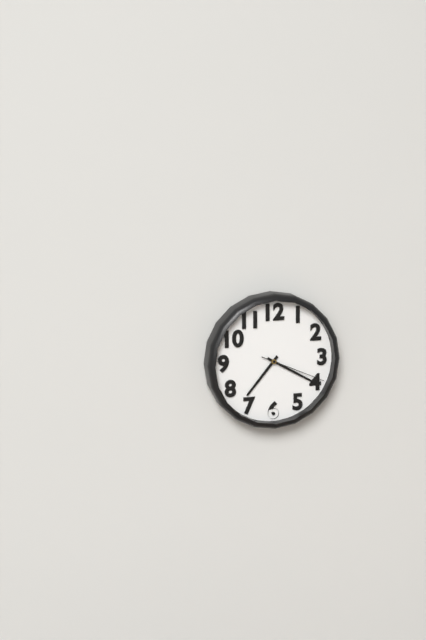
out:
7 h 20 min 19 s
